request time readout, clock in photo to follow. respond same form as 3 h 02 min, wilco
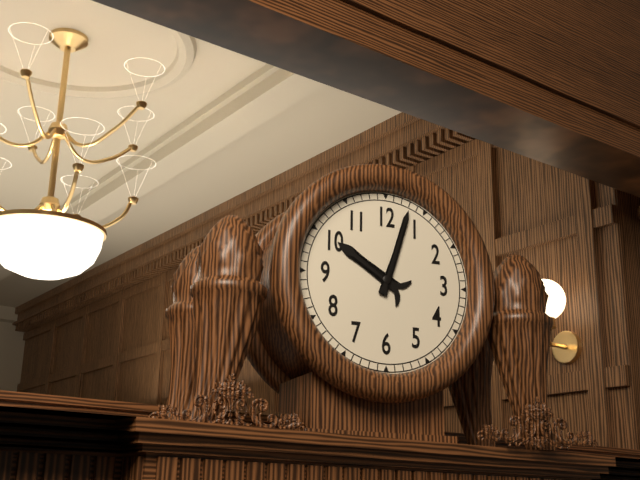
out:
10 h 03 min
